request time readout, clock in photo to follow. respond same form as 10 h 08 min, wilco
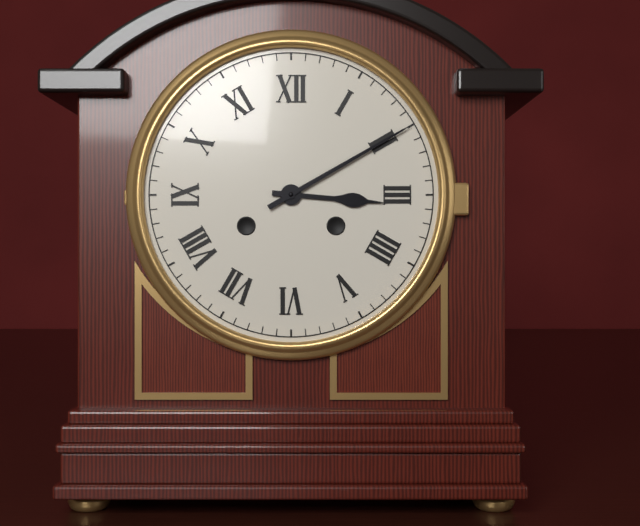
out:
3 h 10 min
